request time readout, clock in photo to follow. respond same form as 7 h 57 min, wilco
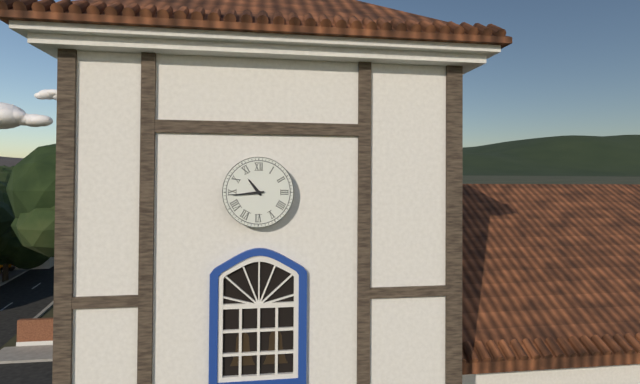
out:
10 h 44 min
